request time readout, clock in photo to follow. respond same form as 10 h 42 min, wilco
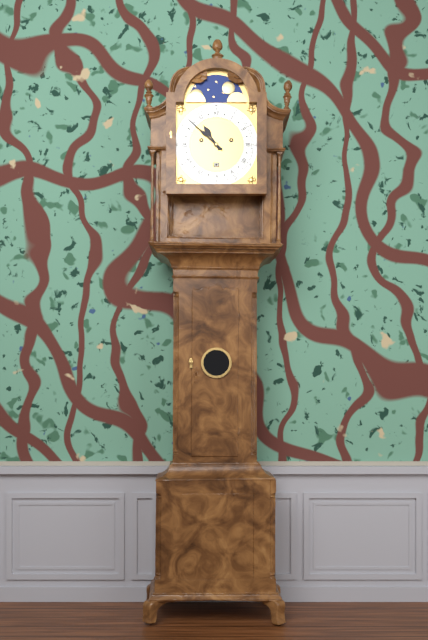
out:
10 h 52 min
